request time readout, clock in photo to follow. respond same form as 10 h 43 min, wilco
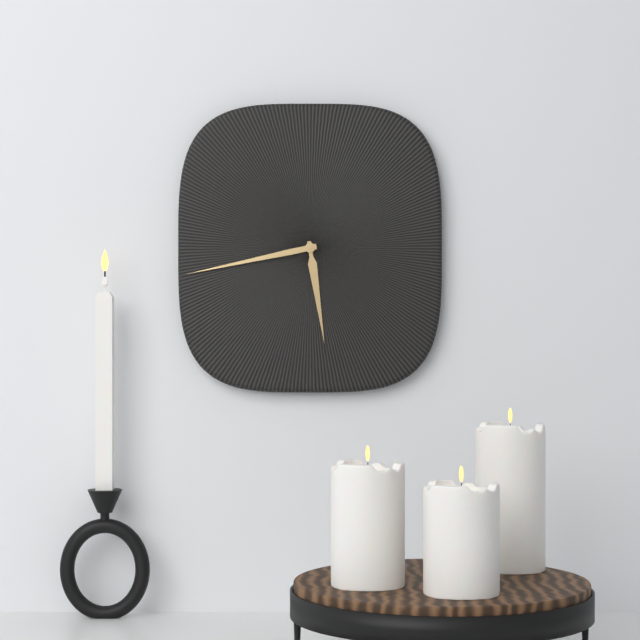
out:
5 h 43 min
